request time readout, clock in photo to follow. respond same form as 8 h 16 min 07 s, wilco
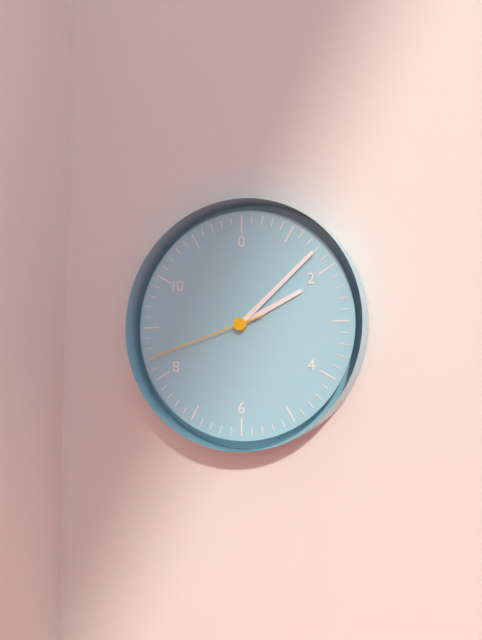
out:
2 h 08 min 42 s
